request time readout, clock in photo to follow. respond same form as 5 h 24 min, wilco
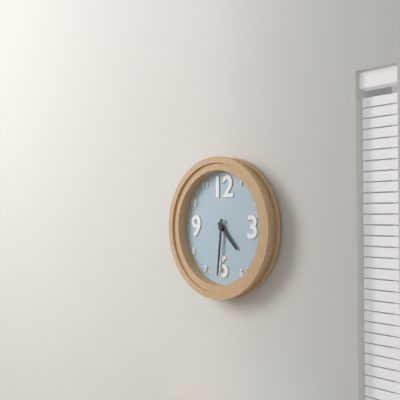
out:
4 h 31 min
